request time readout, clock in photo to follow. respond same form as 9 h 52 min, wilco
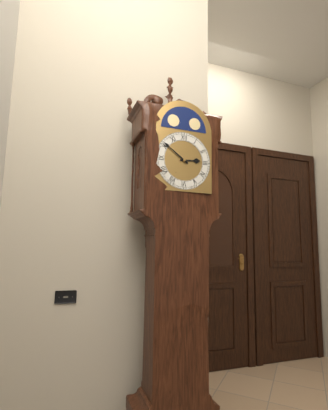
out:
2 h 51 min
